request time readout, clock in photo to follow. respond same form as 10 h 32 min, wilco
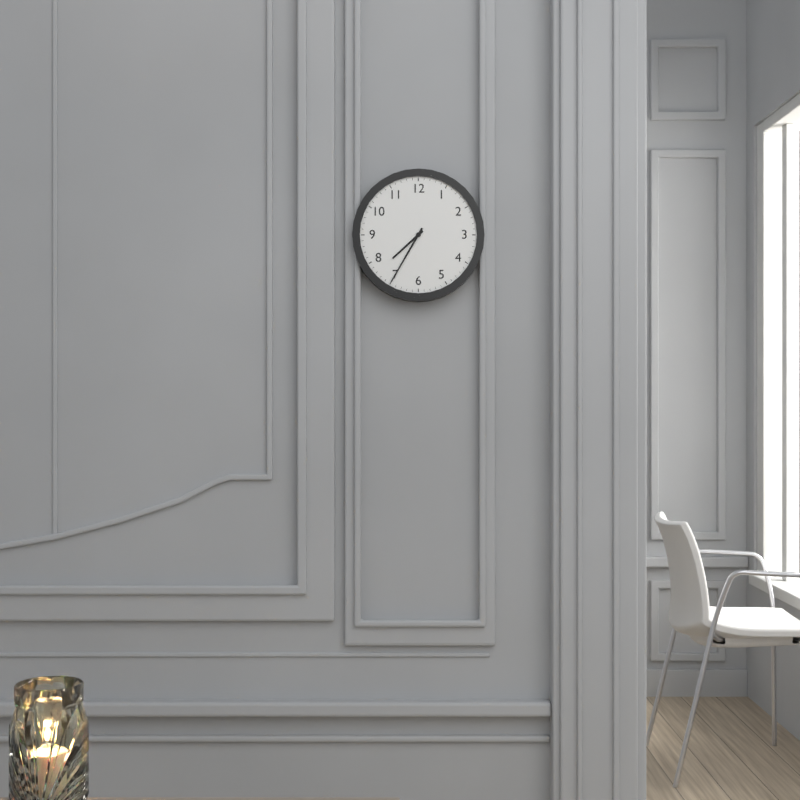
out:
7 h 35 min
